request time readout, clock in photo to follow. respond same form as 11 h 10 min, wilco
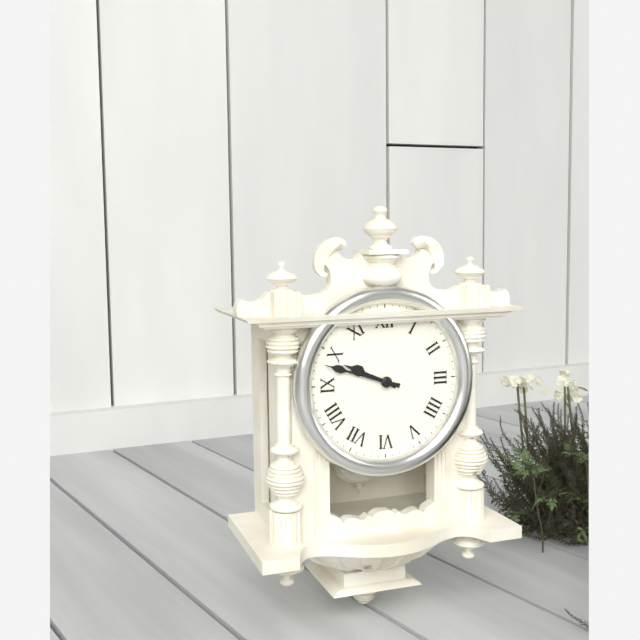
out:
9 h 48 min
